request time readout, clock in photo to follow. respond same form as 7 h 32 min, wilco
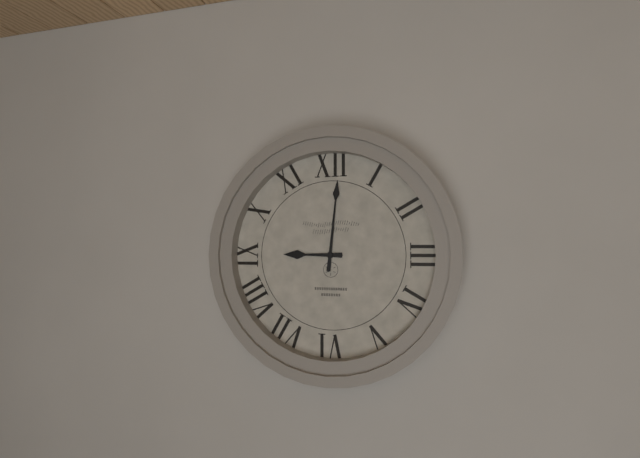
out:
9 h 01 min
